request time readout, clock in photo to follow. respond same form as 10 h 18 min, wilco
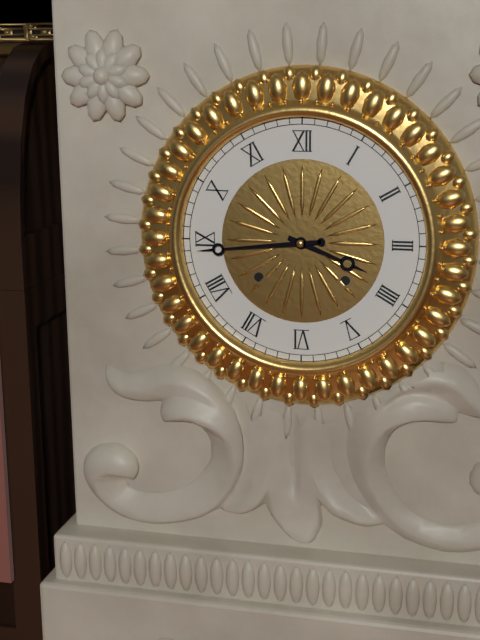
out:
3 h 44 min
